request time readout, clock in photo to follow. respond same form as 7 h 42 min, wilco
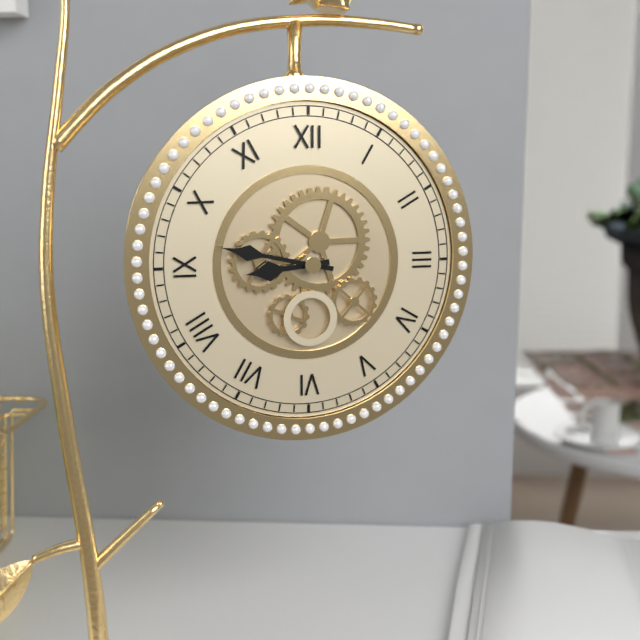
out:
8 h 47 min
